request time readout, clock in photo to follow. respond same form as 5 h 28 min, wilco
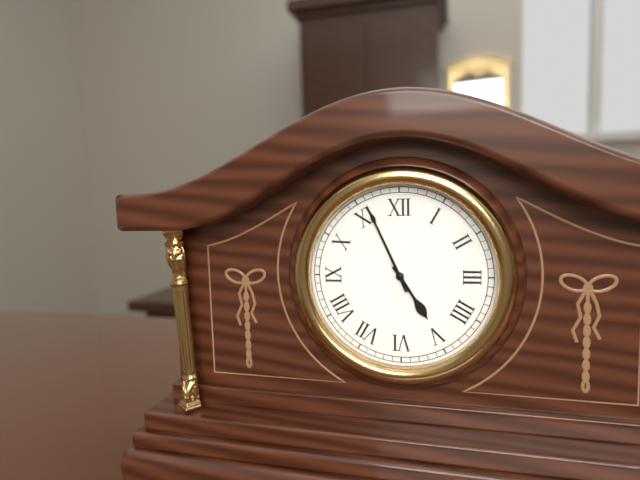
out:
4 h 56 min
